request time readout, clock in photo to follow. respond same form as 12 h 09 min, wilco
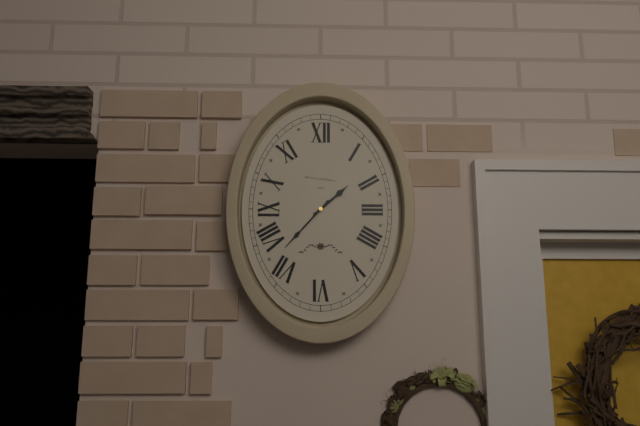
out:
1 h 37 min
